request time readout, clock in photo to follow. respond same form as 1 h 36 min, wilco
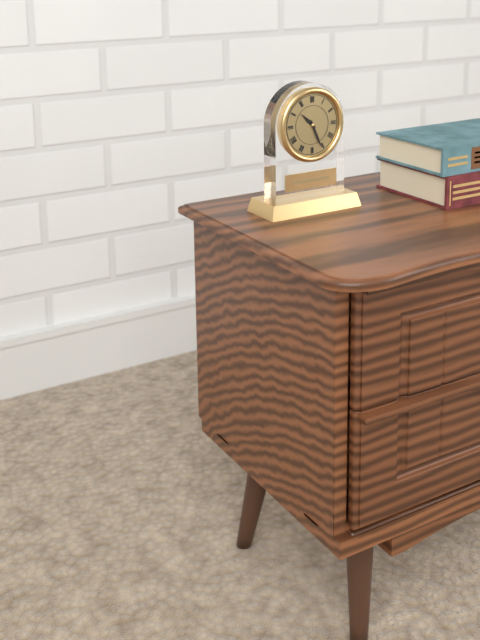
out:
10 h 26 min
